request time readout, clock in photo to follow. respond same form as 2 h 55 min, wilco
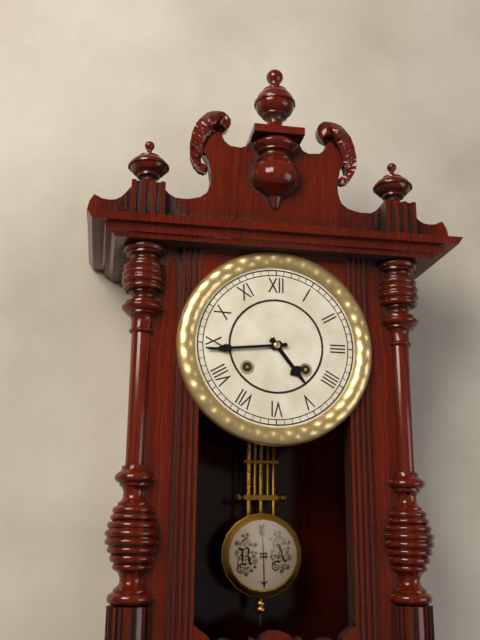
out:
4 h 44 min
